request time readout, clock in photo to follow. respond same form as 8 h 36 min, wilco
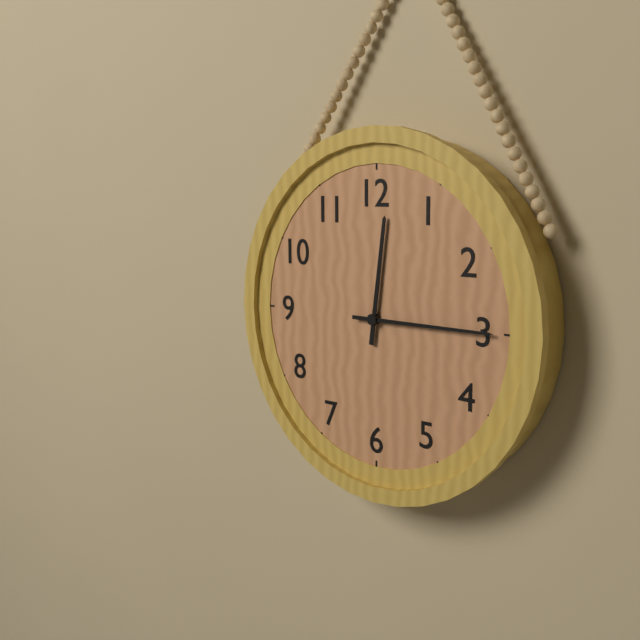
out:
12 h 15 min
